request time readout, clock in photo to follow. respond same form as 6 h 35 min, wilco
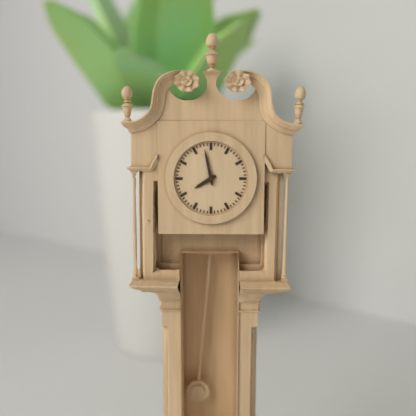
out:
7 h 58 min
